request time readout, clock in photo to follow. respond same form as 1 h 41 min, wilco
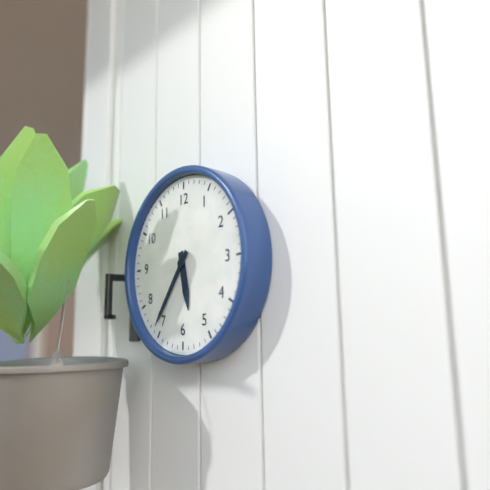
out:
5 h 36 min
